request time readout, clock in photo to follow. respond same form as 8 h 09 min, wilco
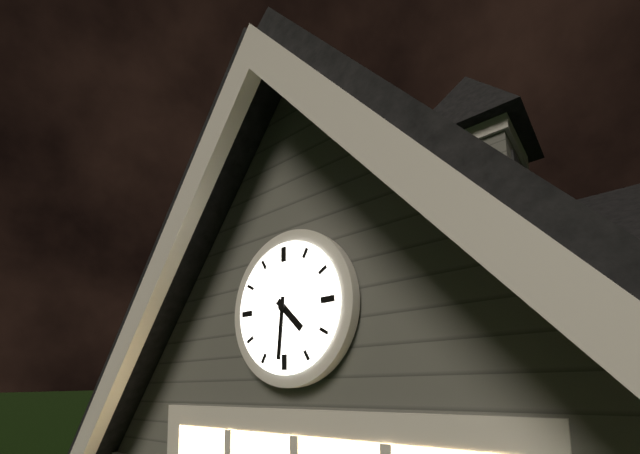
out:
4 h 31 min
